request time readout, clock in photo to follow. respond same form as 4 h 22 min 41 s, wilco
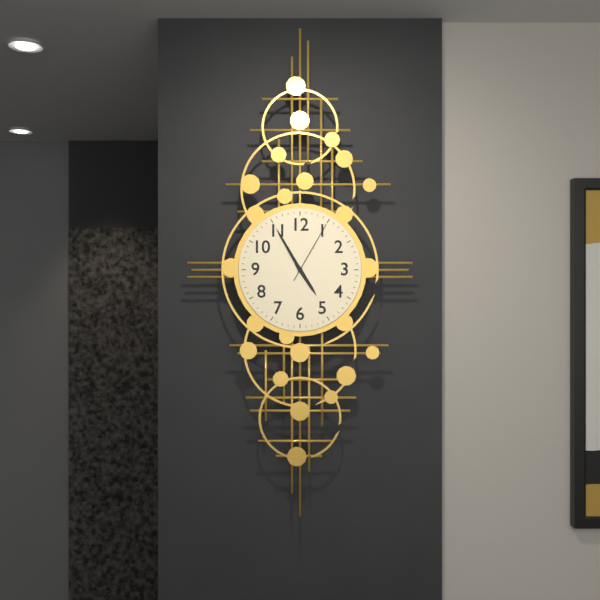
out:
4 h 55 min 05 s
